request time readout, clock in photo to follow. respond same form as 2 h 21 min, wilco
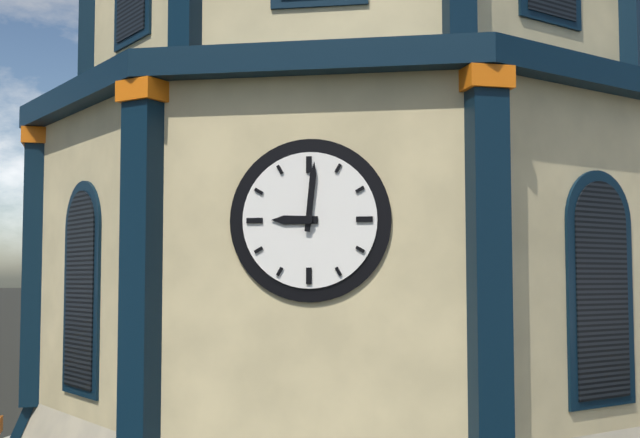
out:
9 h 01 min
